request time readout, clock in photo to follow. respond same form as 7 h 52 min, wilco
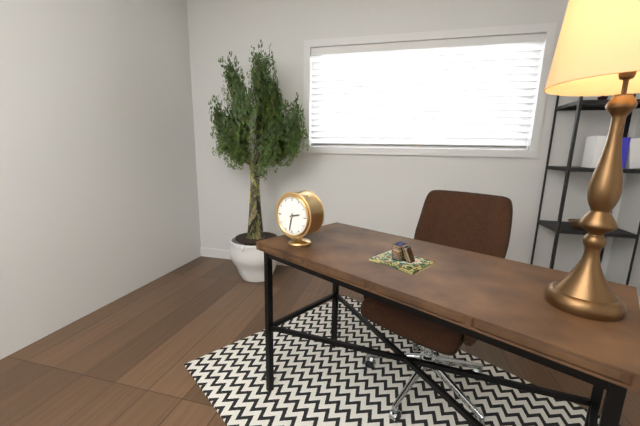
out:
2 h 32 min
